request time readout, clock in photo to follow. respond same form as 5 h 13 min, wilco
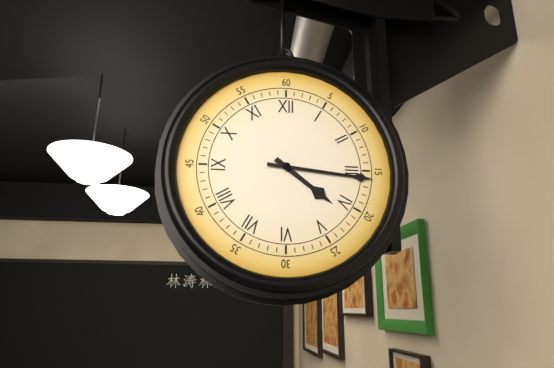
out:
4 h 16 min
